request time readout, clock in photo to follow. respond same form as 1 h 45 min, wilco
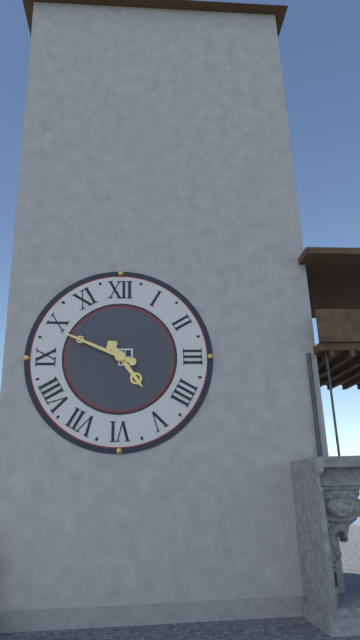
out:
4 h 49 min
